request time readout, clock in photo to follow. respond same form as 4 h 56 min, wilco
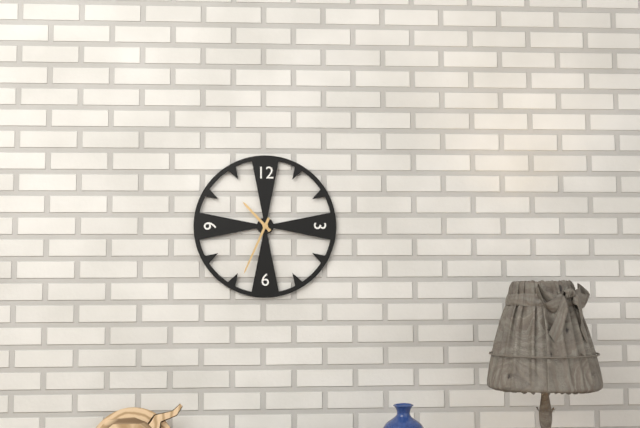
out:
10 h 34 min
